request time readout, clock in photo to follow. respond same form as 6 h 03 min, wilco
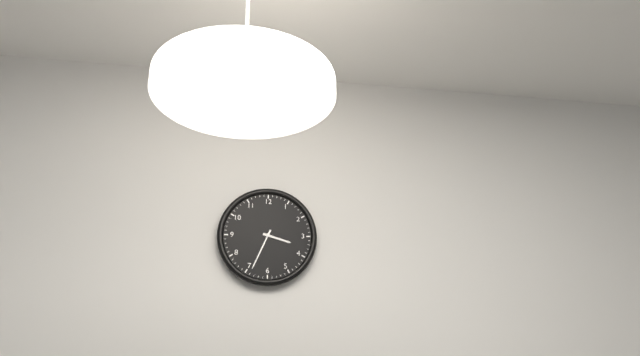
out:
3 h 34 min
